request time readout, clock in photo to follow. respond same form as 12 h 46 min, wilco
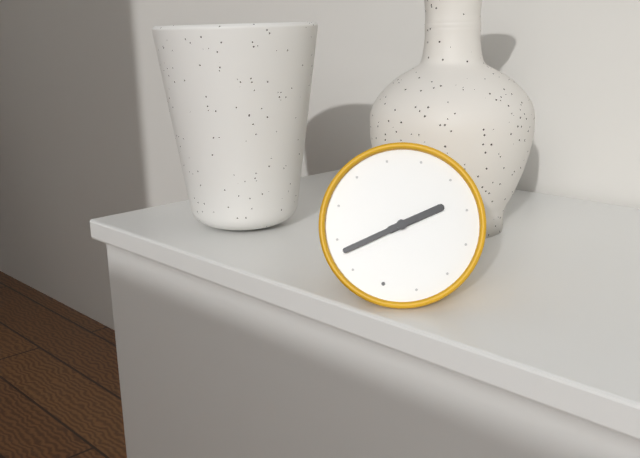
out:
1 h 38 min
